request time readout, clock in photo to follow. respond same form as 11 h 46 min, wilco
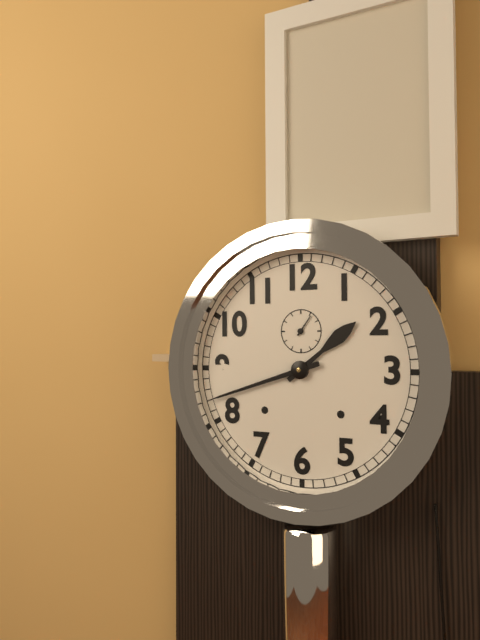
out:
1 h 42 min
